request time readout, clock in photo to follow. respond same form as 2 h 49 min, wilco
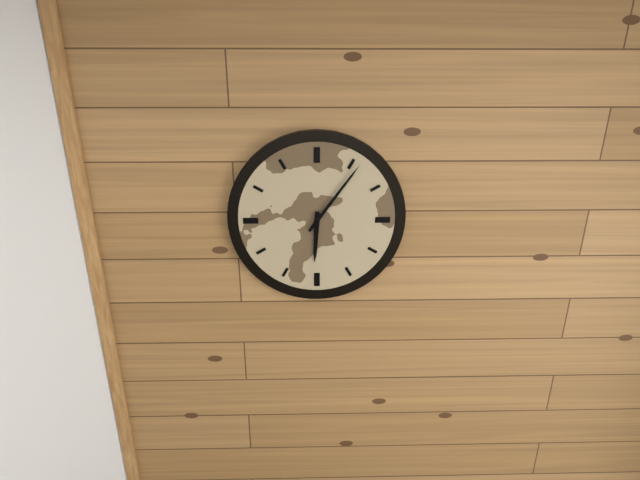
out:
6 h 06 min
